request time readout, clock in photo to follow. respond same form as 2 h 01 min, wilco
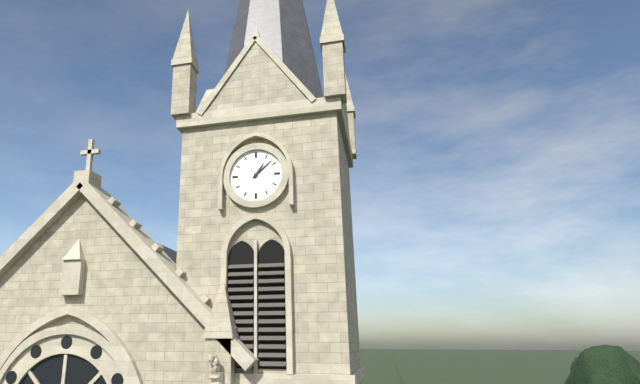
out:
1 h 08 min
